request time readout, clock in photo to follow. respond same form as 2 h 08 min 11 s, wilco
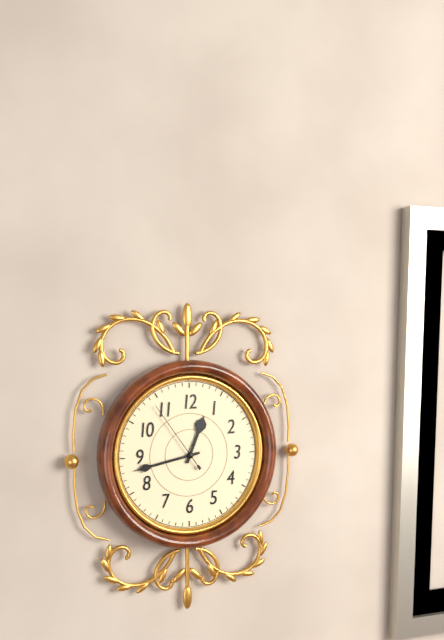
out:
12 h 43 min 54 s
